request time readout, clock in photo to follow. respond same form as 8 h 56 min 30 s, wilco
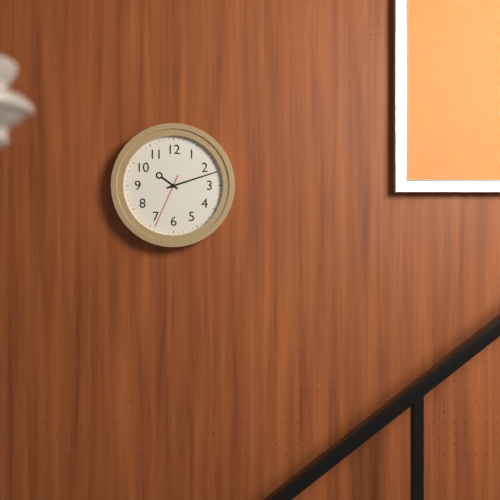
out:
10 h 12 min 34 s
